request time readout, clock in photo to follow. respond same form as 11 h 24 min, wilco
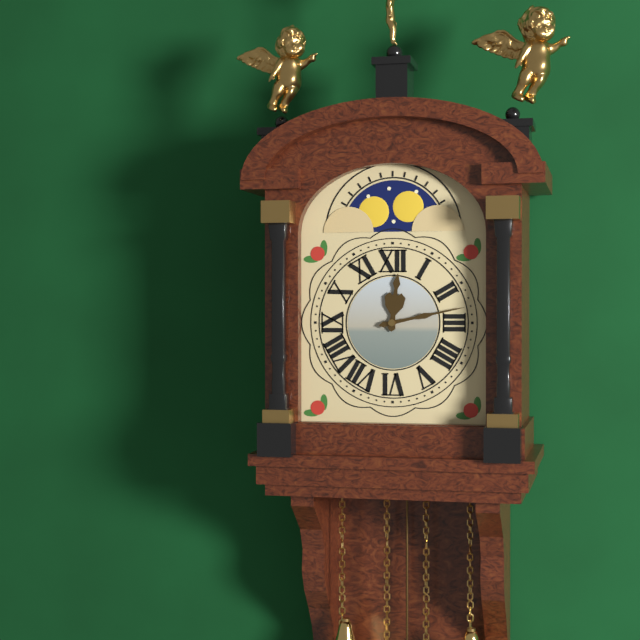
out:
12 h 13 min
